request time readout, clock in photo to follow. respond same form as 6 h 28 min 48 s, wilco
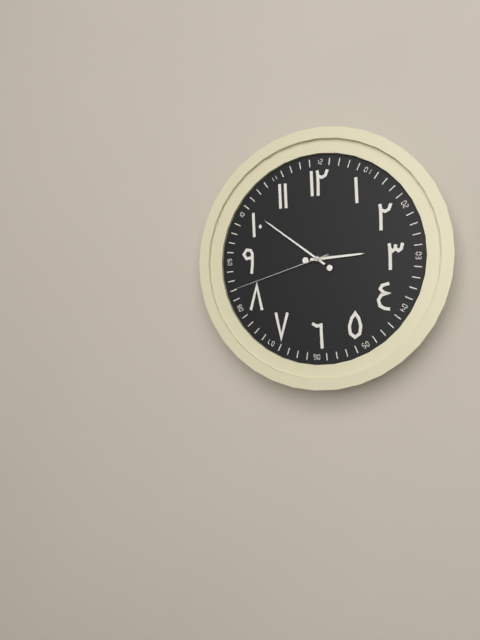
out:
2 h 51 min 42 s
